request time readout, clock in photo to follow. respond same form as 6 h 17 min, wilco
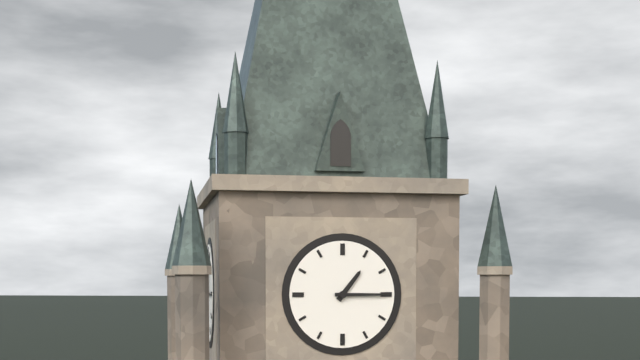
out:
1 h 15 min
